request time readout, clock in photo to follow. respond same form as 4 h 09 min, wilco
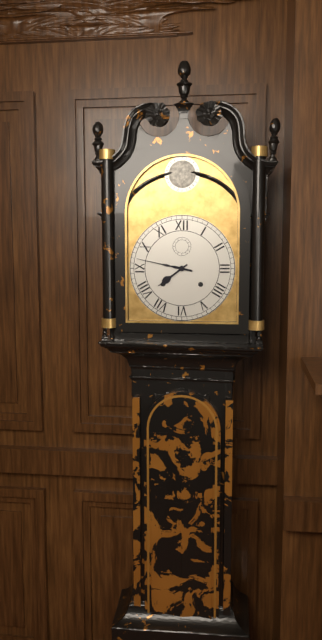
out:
7 h 47 min
